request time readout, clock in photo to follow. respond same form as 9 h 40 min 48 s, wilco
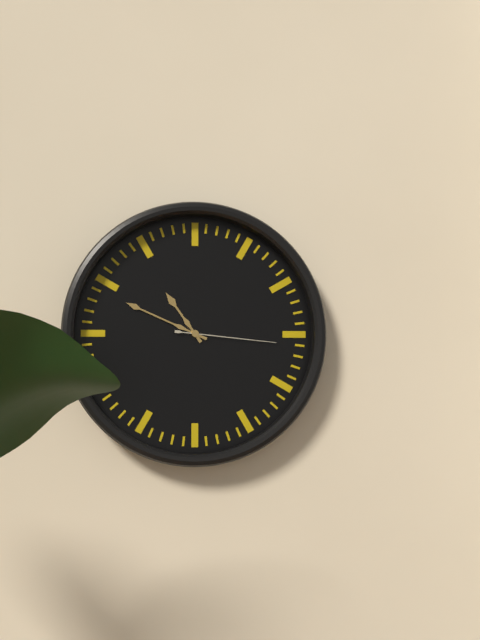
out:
10 h 49 min 16 s
